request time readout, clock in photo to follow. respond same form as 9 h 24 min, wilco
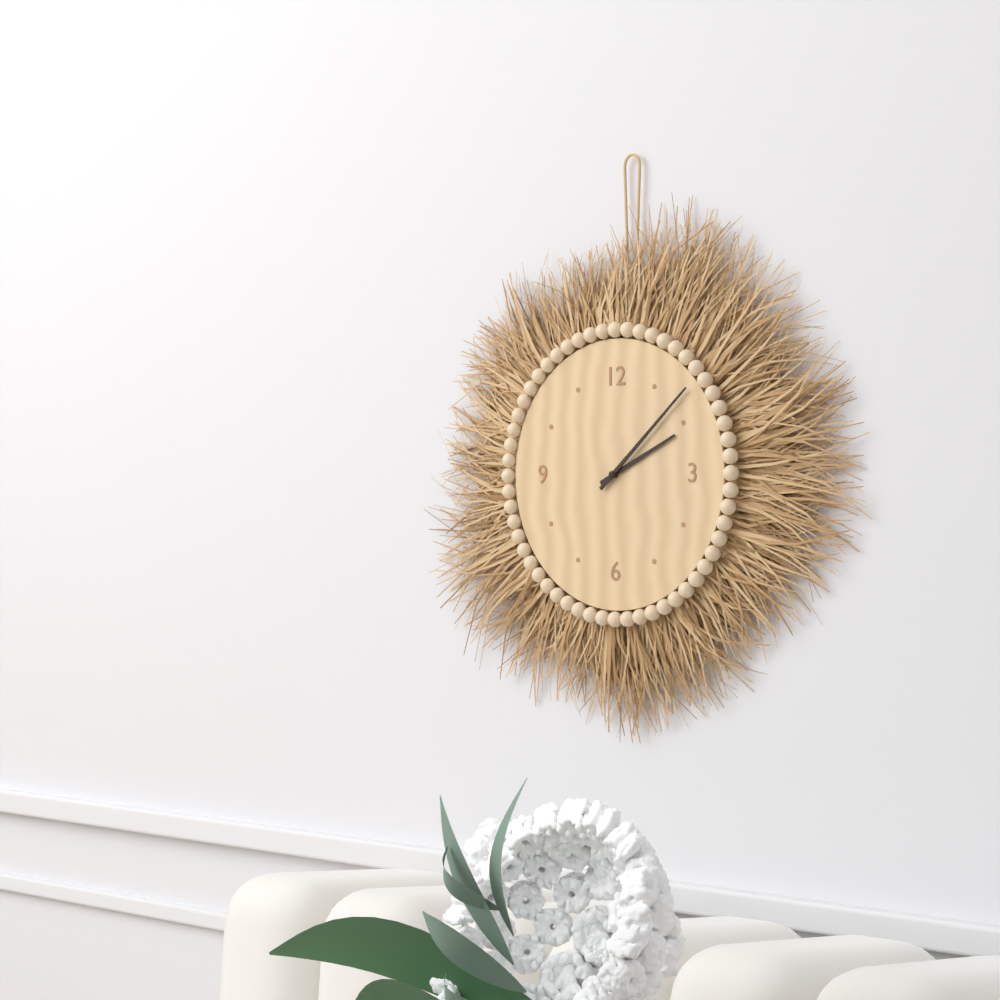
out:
2 h 08 min
